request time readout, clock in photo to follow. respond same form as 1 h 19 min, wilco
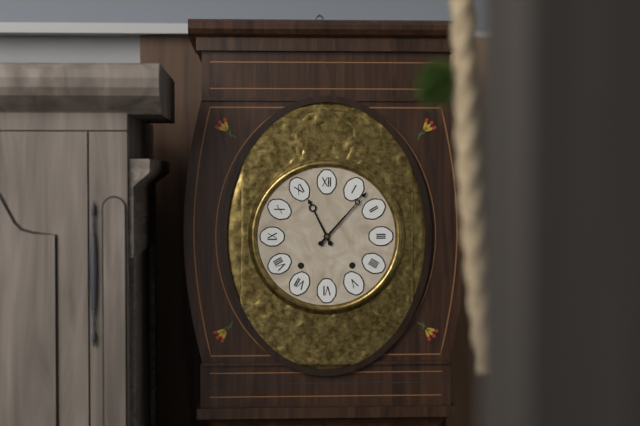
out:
11 h 07 min
